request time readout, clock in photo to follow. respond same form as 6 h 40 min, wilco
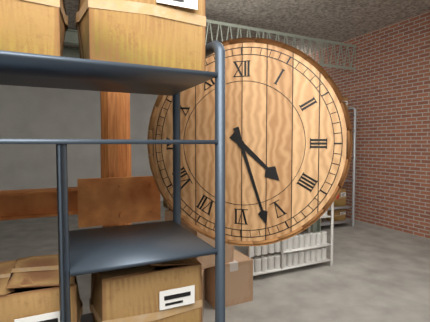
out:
4 h 27 min
